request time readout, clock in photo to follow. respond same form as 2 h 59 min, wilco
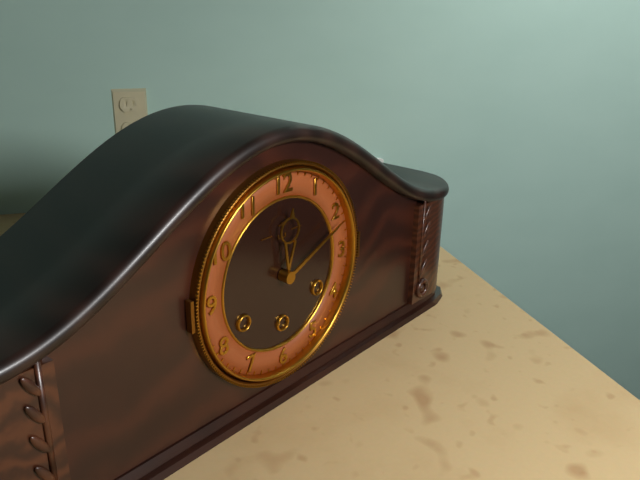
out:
12 h 11 min
